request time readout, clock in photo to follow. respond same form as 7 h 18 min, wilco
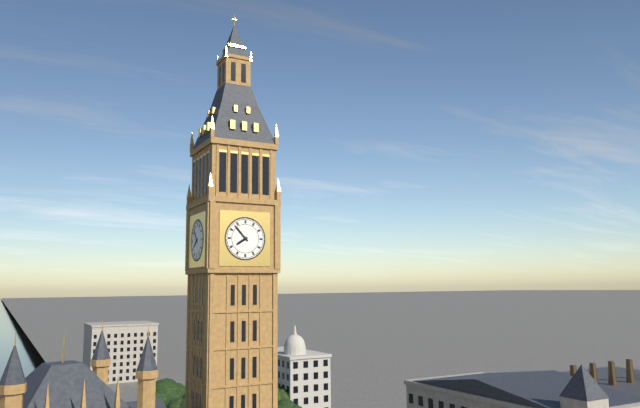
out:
7 h 53 min
